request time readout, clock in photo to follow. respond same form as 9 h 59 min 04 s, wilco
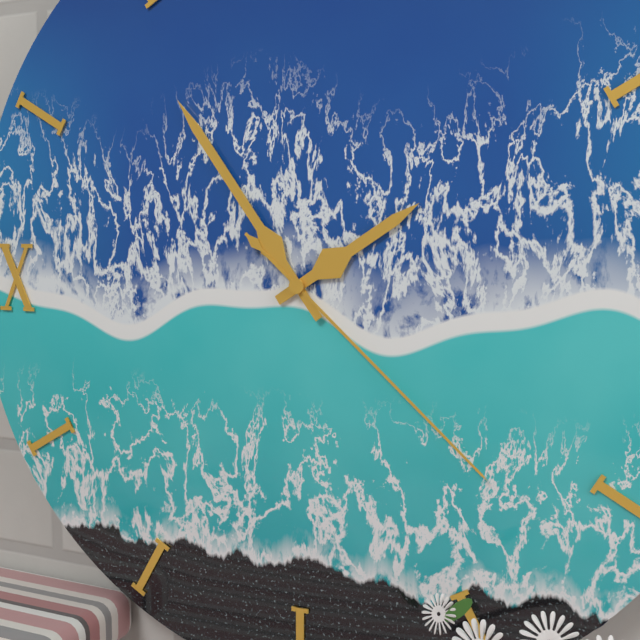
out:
1 h 54 min 22 s
